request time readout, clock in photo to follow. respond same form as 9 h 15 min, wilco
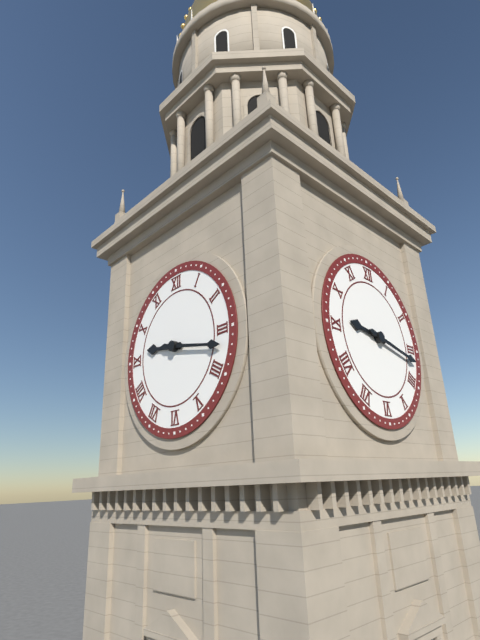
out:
9 h 17 min
